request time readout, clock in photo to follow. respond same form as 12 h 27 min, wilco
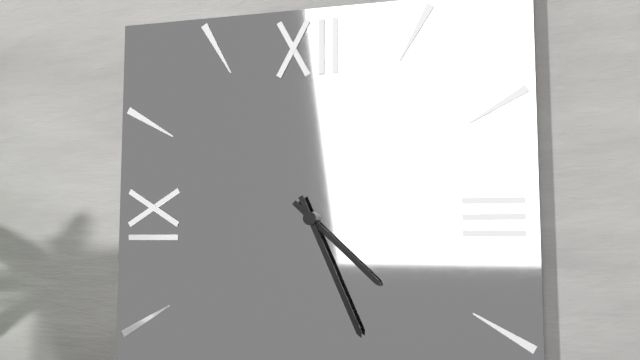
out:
4 h 26 min
